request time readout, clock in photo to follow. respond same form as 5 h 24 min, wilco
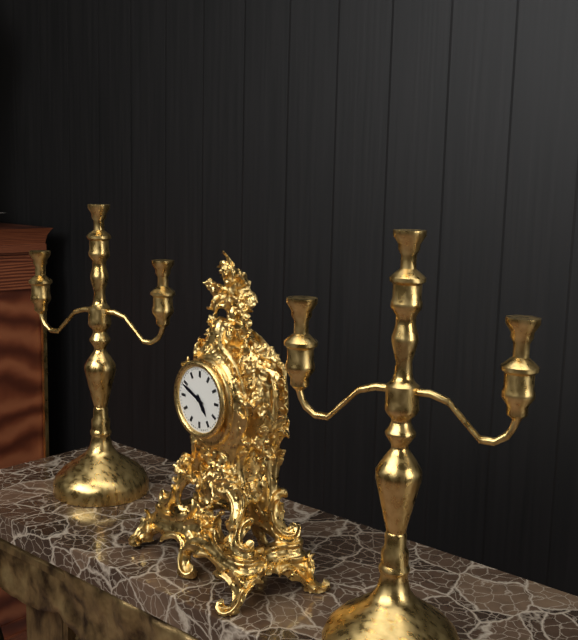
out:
4 h 49 min
